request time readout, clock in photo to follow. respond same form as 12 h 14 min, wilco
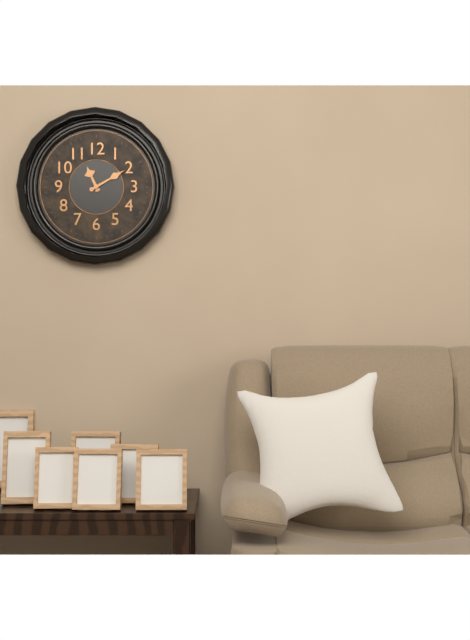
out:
11 h 10 min
